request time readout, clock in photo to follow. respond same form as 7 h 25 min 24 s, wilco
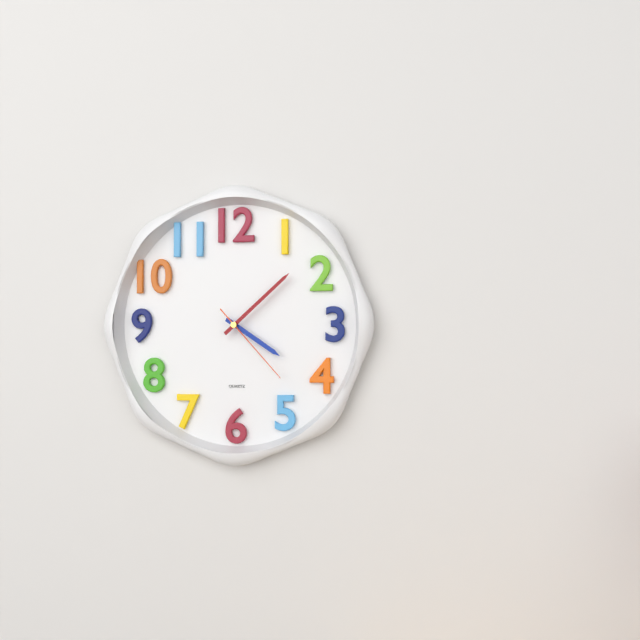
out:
4 h 08 min 23 s
